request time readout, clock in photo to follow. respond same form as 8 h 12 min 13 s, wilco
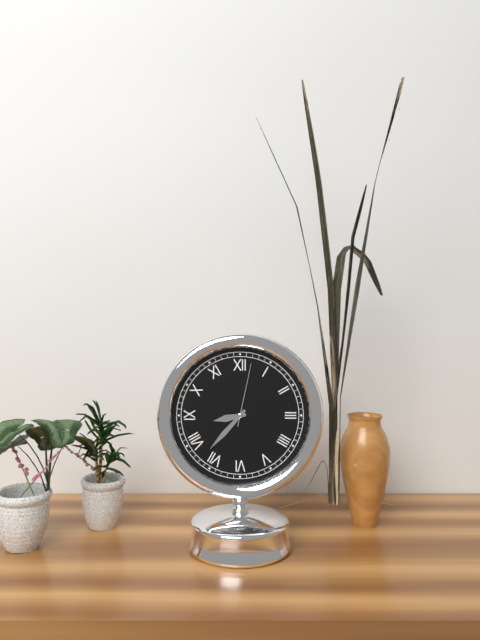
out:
8 h 37 min 02 s
